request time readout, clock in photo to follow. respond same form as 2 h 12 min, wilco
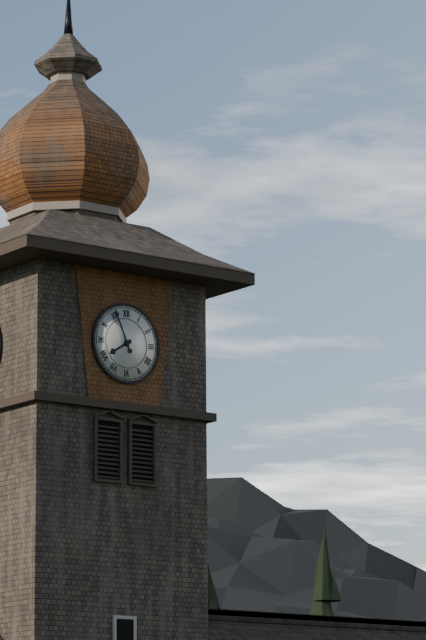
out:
7 h 56 min
